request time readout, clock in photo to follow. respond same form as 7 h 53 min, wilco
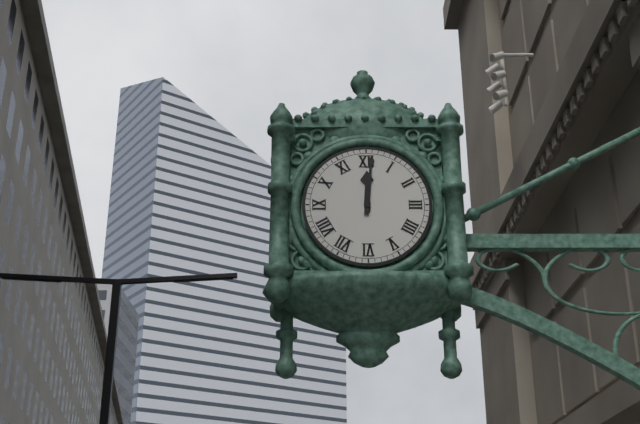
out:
12 h 01 min
